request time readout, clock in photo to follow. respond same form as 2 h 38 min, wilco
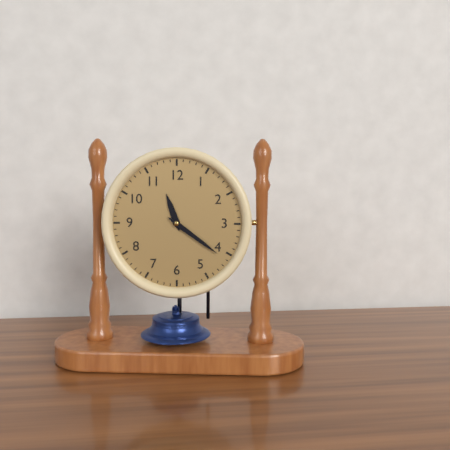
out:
11 h 21 min
